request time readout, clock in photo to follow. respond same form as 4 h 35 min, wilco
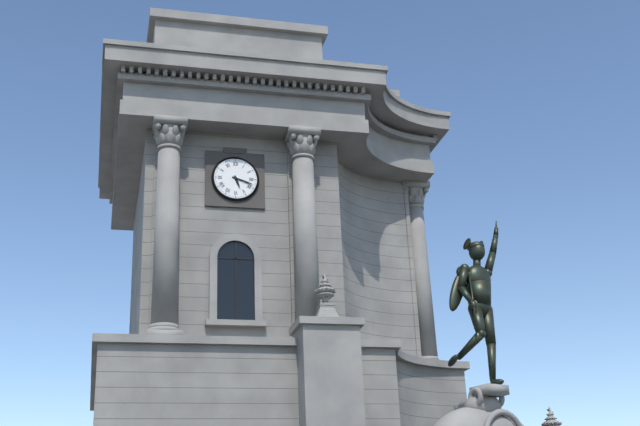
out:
5 h 18 min
